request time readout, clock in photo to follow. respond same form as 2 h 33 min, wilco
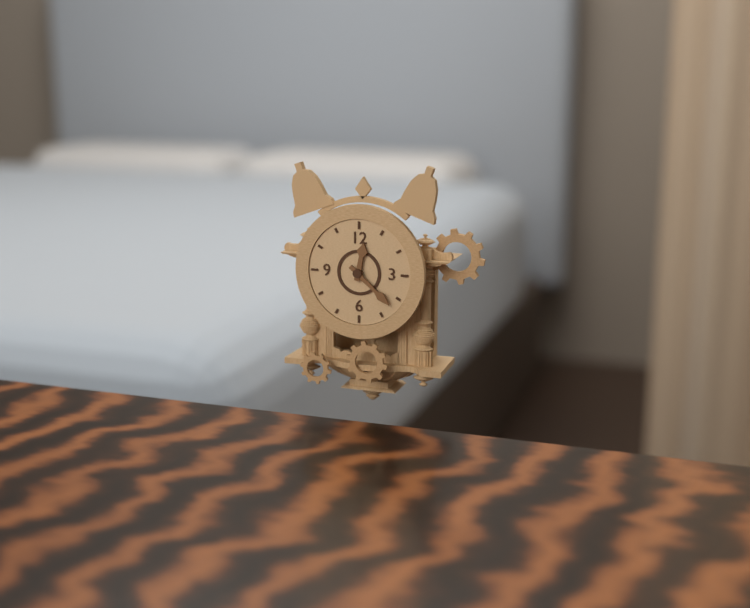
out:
12 h 22 min
